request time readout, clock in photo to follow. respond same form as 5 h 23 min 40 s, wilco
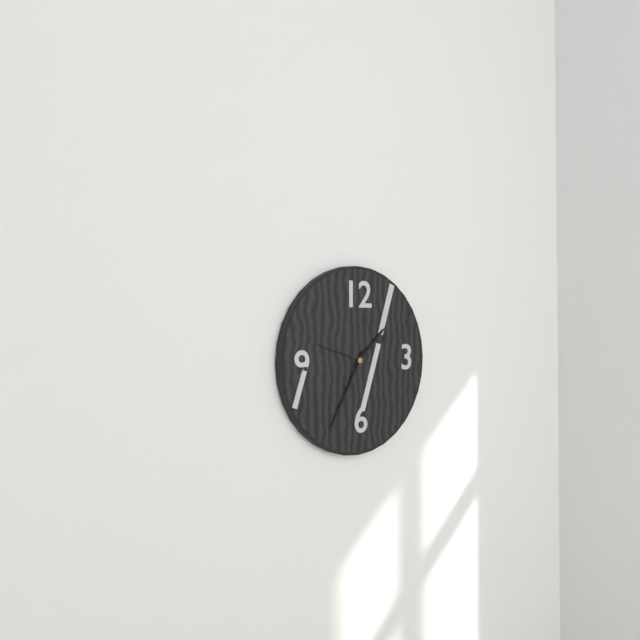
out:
1 h 35 min 48 s
